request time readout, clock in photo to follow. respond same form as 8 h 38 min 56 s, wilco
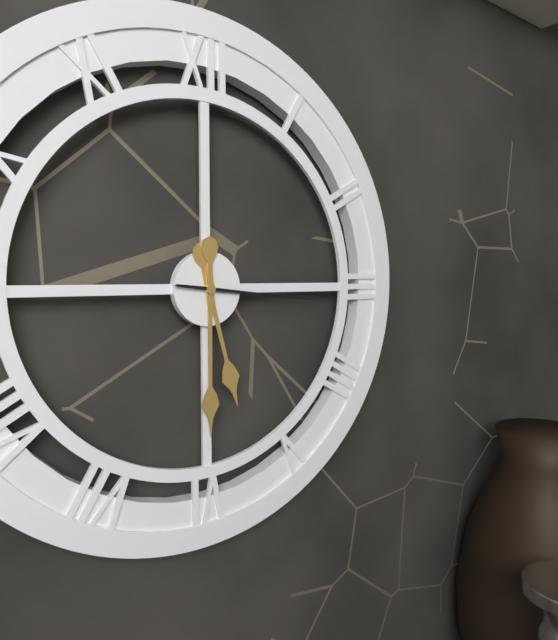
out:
5 h 30 min 16 s
